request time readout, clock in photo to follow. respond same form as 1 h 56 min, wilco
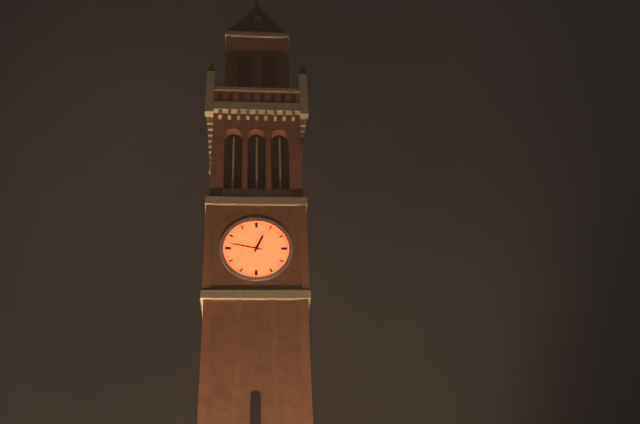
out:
12 h 47 min
